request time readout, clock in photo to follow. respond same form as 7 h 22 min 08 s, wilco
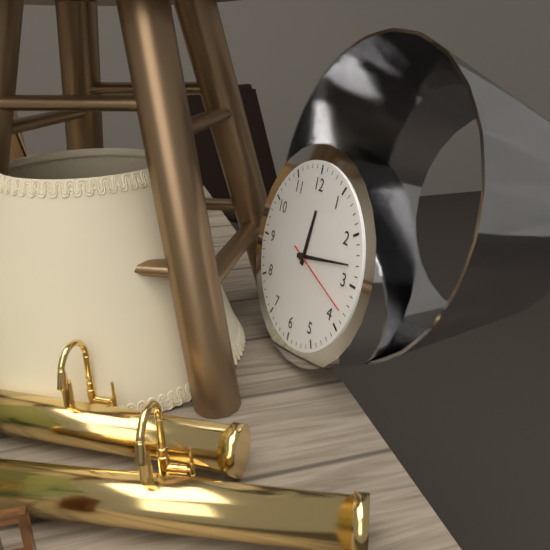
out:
12 h 13 min 18 s
